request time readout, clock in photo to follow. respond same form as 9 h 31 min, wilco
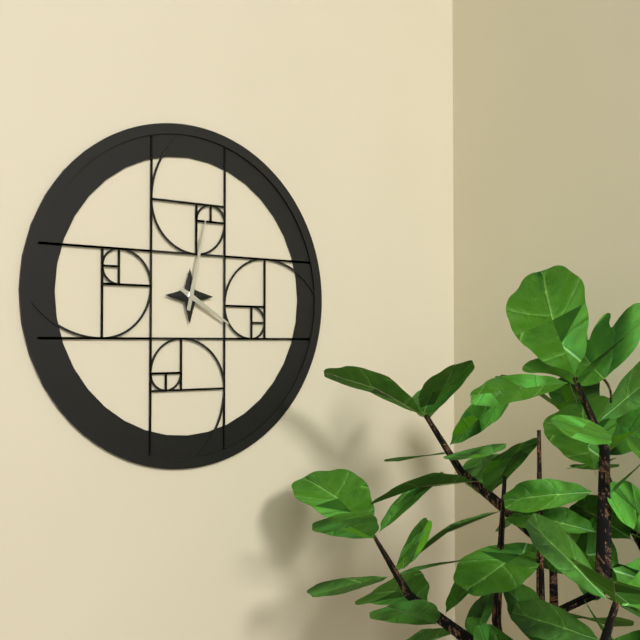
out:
4 h 02 min
